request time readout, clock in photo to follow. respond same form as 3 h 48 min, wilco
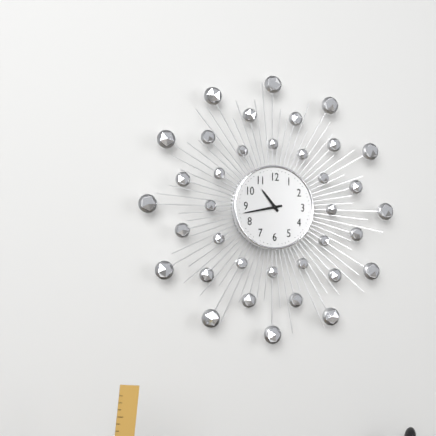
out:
10 h 43 min
